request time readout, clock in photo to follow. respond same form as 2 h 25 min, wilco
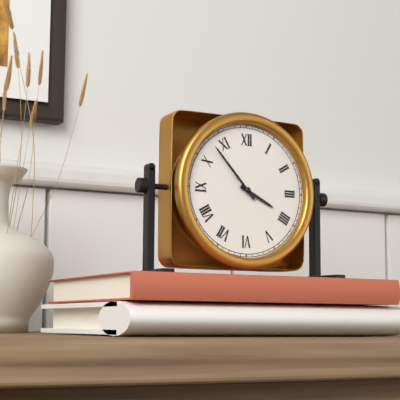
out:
3 h 53 min
